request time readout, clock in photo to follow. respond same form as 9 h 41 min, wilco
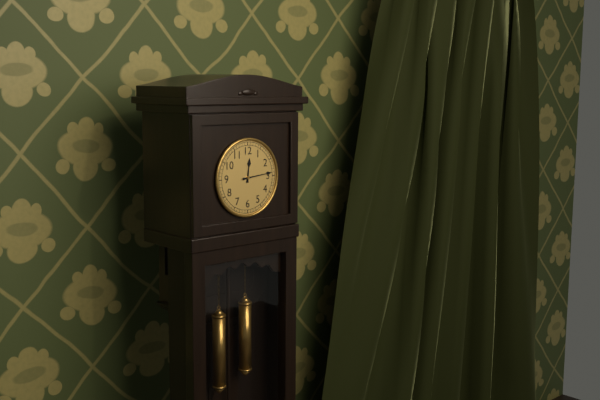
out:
12 h 14 min
